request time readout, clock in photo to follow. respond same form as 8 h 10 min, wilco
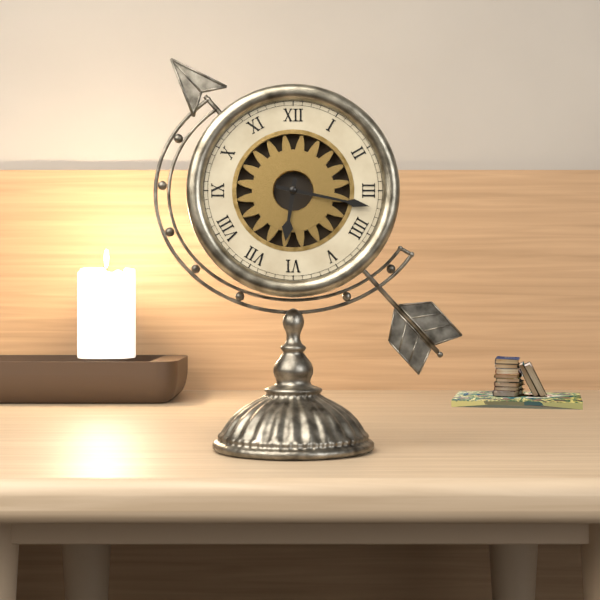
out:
6 h 17 min
